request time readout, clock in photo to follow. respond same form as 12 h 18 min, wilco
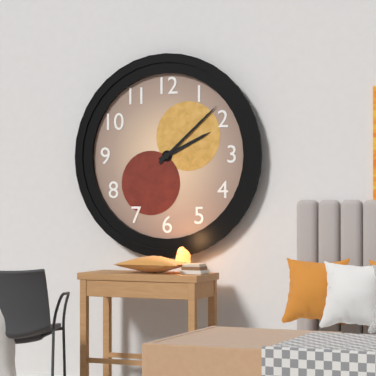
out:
2 h 08 min
